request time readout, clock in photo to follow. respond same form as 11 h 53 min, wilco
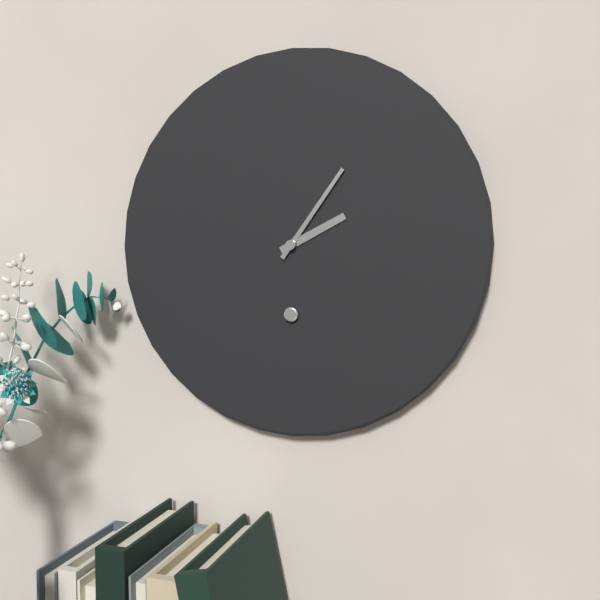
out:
2 h 06 min
